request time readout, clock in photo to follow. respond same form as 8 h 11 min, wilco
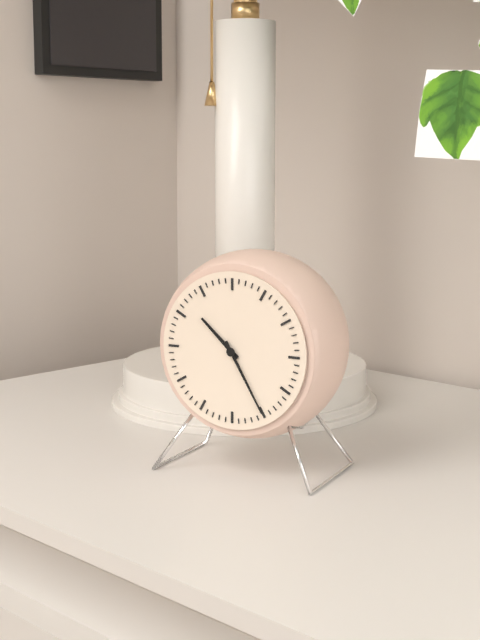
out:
10 h 25 min
